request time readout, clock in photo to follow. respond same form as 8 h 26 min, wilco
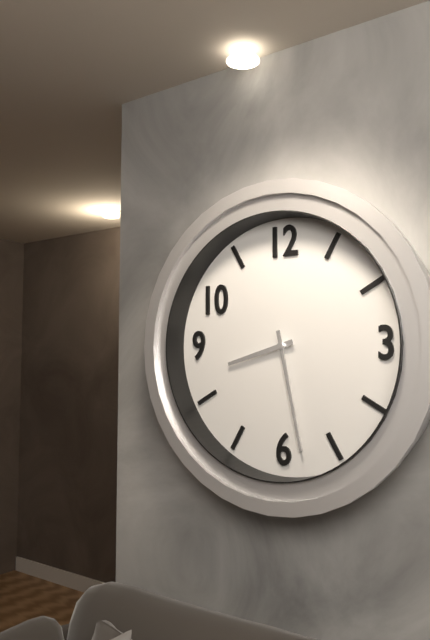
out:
8 h 28 min
